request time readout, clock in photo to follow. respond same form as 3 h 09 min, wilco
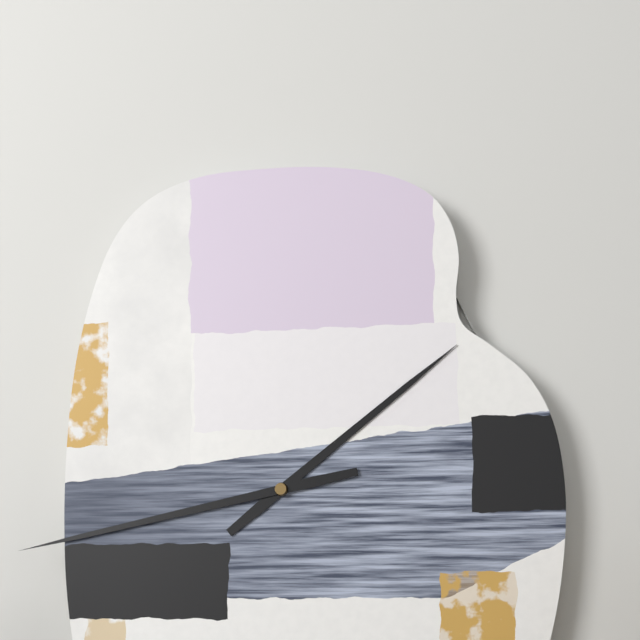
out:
1 h 43 min
